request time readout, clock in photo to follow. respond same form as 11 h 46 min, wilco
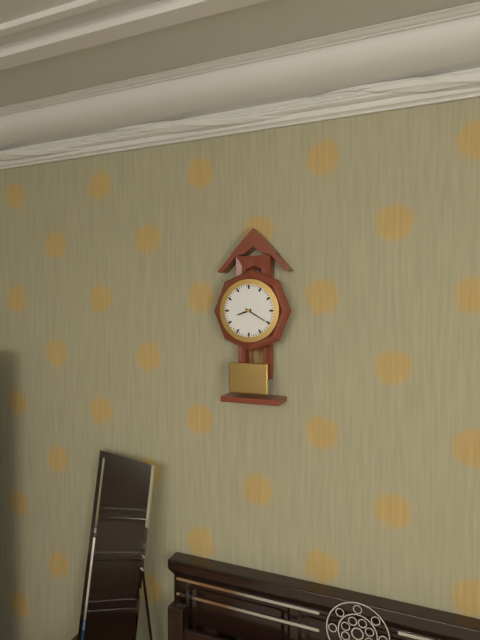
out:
8 h 20 min
